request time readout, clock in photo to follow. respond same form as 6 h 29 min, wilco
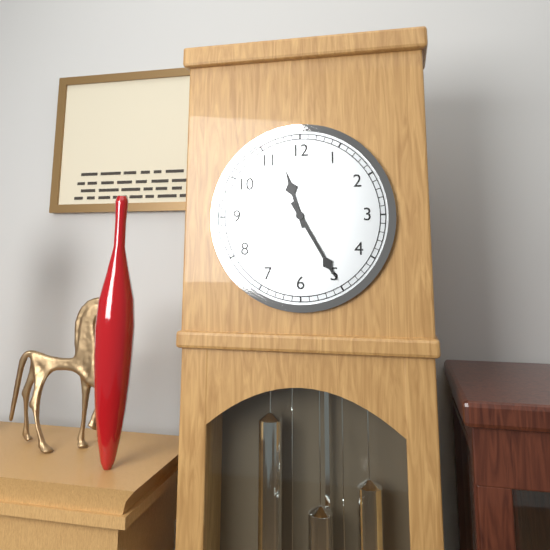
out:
11 h 25 min
